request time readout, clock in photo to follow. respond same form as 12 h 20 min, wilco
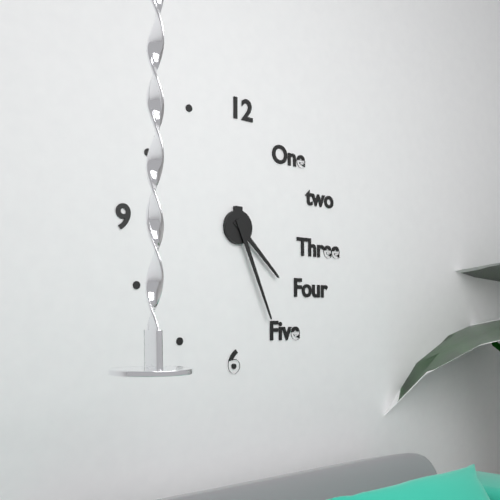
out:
4 h 26 min
